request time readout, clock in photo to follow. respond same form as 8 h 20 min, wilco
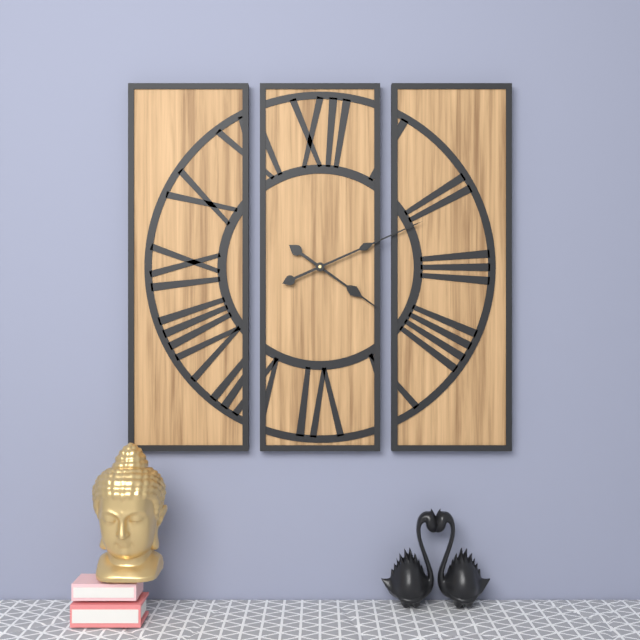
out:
4 h 11 min
